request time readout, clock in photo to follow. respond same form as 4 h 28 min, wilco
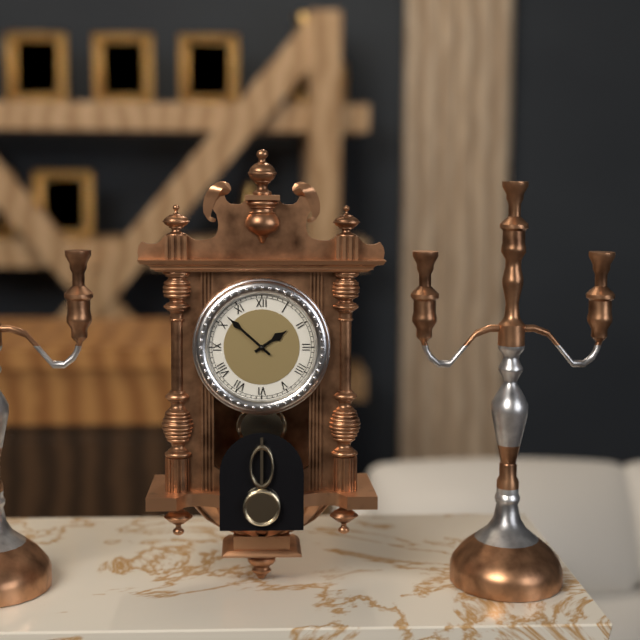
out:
1 h 52 min
